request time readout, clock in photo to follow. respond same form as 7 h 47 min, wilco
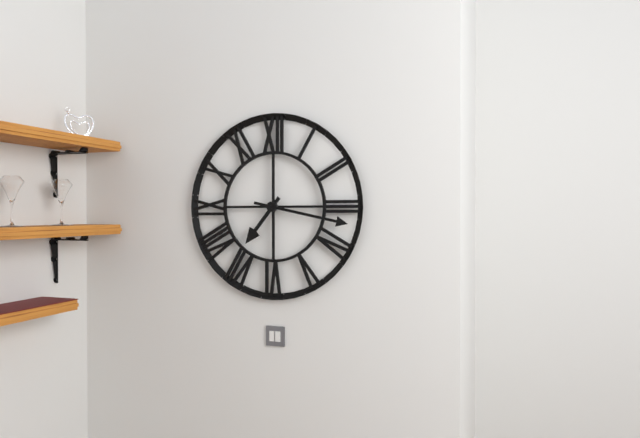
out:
7 h 17 min
